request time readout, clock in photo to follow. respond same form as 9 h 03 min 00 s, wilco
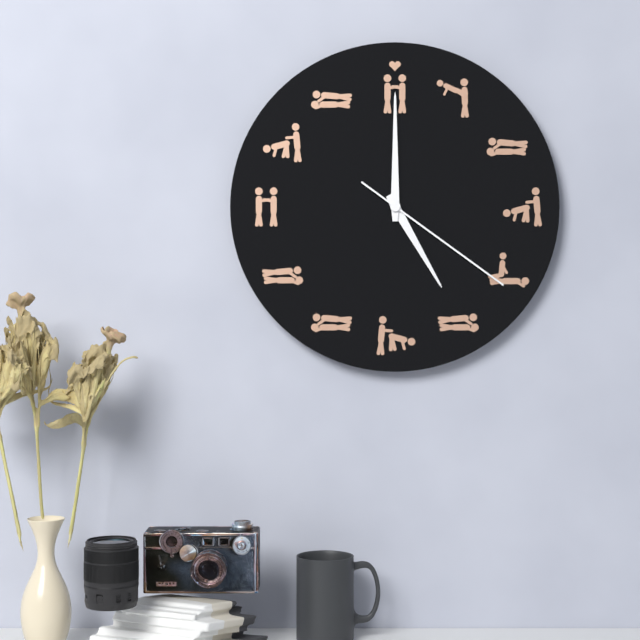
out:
5 h 00 min 21 s
